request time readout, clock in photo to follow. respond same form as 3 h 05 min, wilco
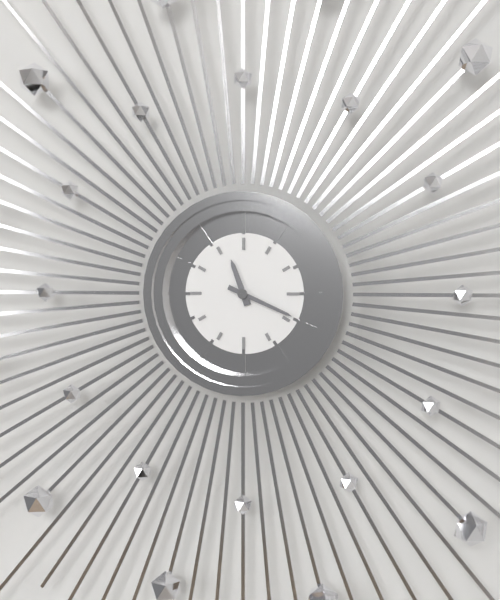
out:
11 h 19 min
